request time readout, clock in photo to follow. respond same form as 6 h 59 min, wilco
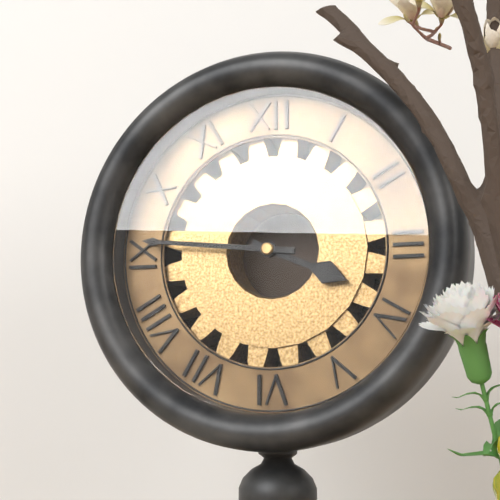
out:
3 h 46 min
